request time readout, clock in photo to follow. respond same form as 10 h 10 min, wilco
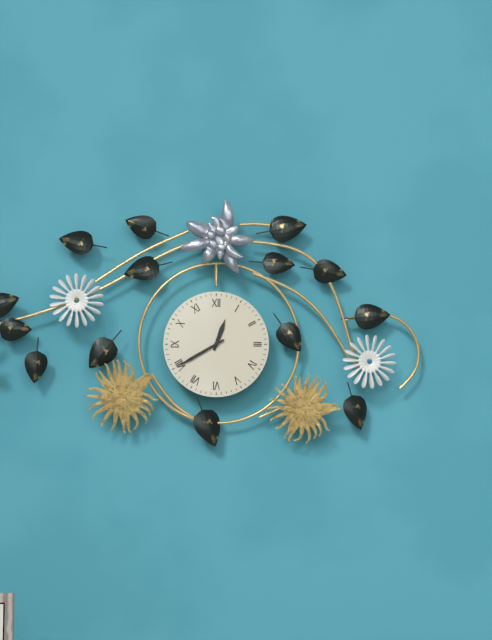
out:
12 h 40 min
